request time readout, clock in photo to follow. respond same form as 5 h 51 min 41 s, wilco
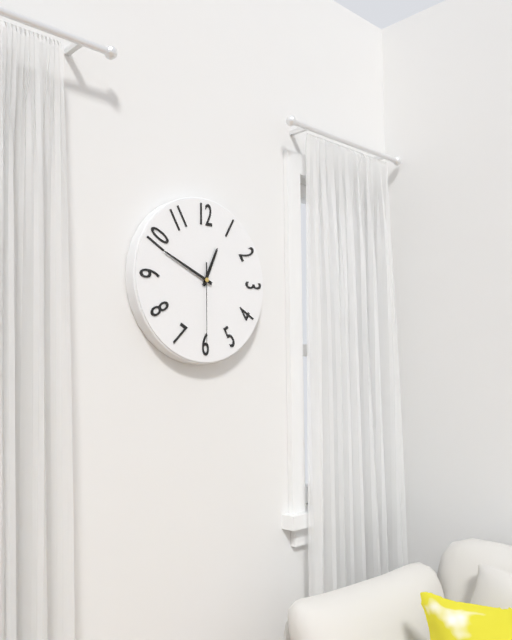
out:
12 h 49 min 30 s
